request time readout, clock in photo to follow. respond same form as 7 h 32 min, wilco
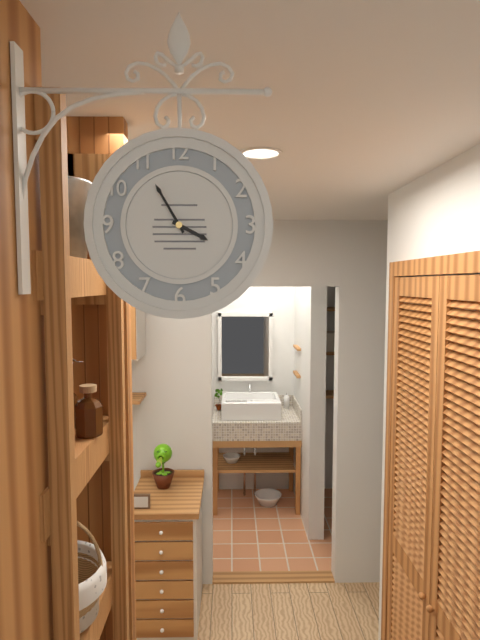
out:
3 h 55 min
